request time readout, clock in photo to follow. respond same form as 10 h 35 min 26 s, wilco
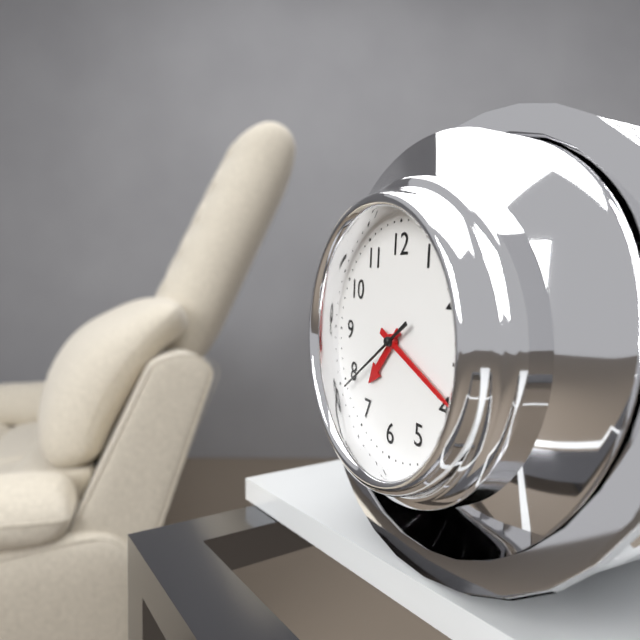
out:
7 h 19 min 39 s
